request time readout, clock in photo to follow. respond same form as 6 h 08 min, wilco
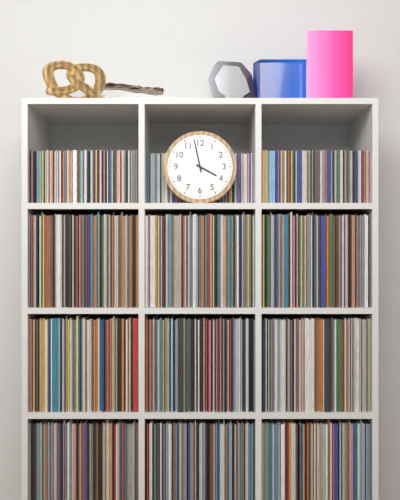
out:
3 h 58 min
